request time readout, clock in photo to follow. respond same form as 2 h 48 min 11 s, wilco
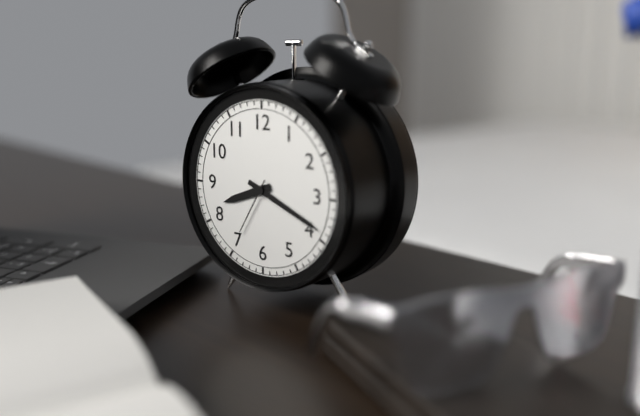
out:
8 h 19 min 35 s
